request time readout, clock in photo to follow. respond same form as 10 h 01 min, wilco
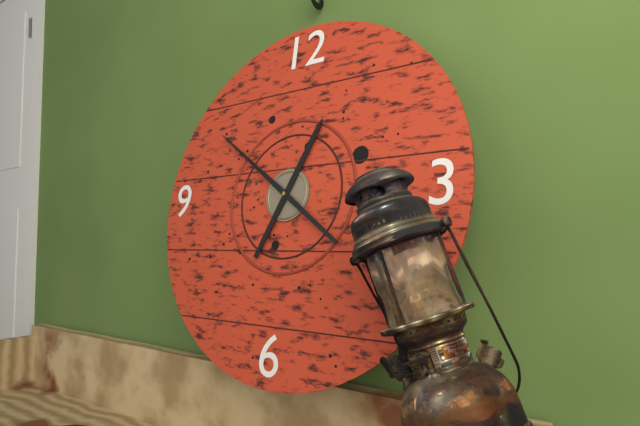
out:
12 h 51 min
